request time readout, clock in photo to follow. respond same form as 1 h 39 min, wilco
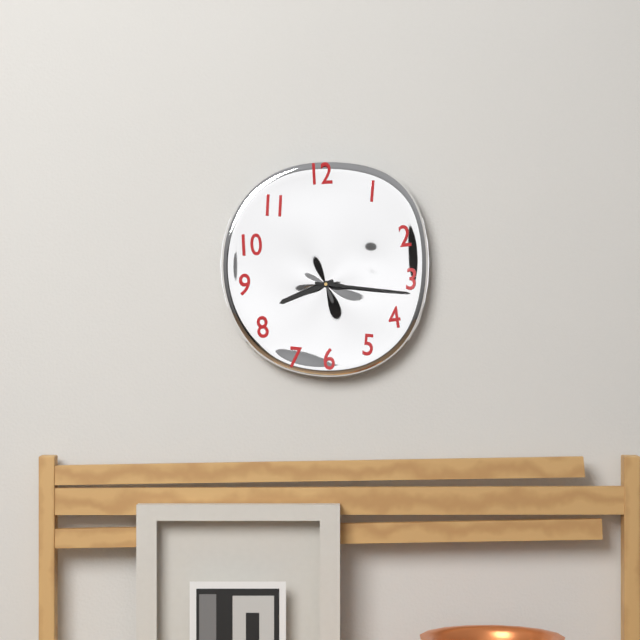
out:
8 h 16 min
